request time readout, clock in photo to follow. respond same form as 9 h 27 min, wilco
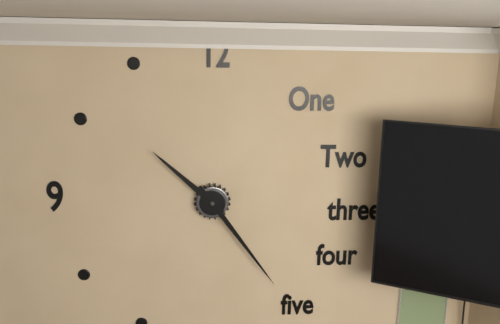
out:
10 h 24 min
